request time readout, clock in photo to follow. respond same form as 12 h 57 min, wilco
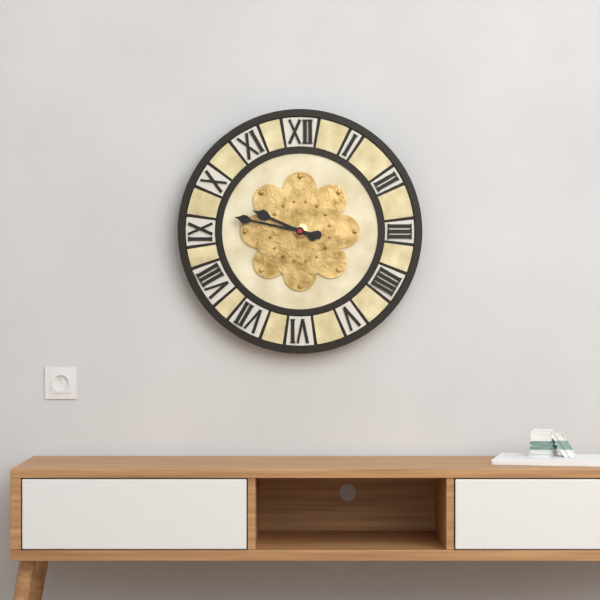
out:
9 h 47 min
